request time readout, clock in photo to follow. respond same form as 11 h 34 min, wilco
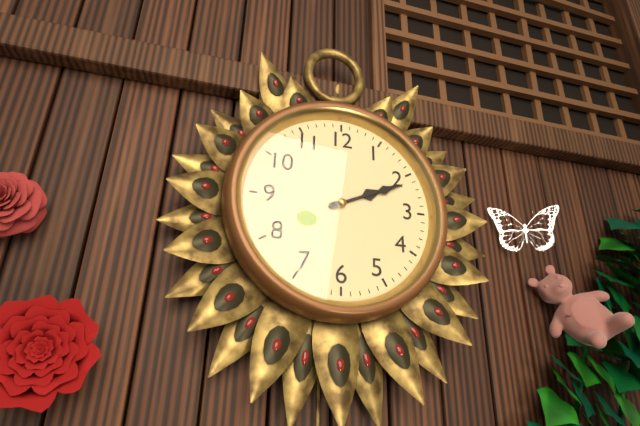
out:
2 h 11 min
